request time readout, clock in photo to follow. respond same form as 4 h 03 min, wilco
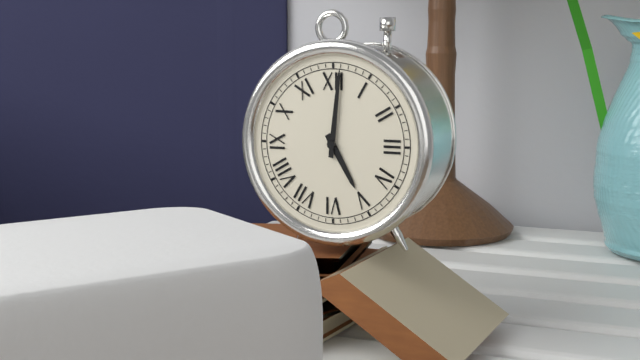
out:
5 h 01 min
